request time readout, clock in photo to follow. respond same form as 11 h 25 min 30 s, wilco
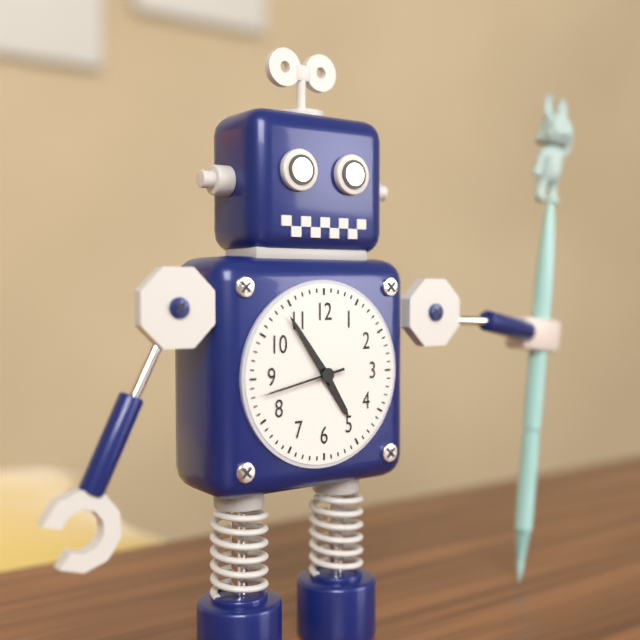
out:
4 h 54 min 43 s
